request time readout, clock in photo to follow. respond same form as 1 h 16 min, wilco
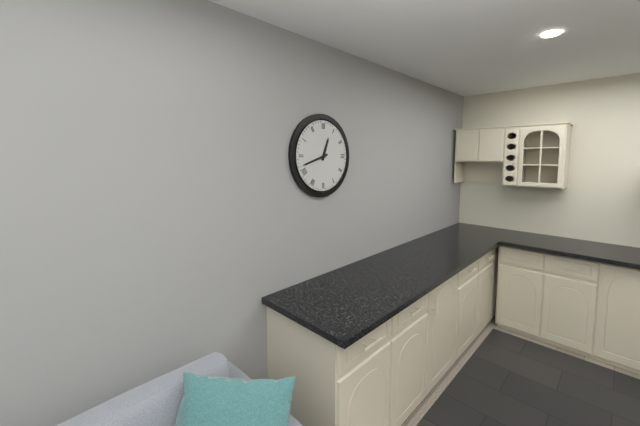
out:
12 h 42 min
